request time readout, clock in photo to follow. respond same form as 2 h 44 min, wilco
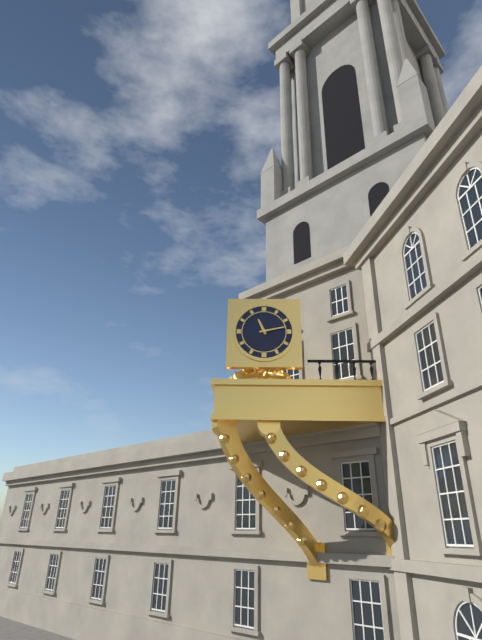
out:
11 h 13 min
